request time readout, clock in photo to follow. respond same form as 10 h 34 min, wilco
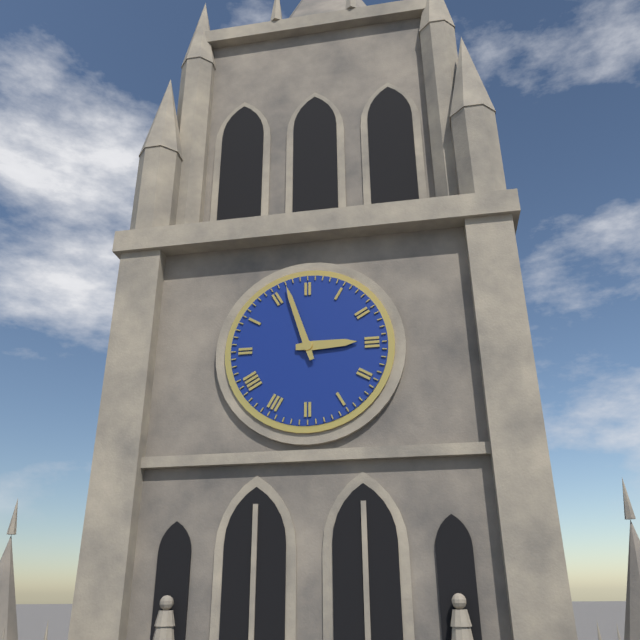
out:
2 h 57 min
